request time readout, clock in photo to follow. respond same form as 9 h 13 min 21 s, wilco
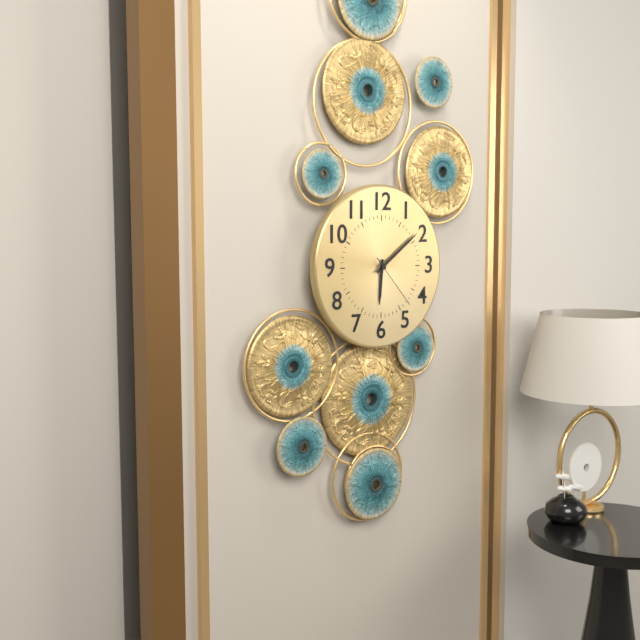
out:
6 h 09 min 23 s
